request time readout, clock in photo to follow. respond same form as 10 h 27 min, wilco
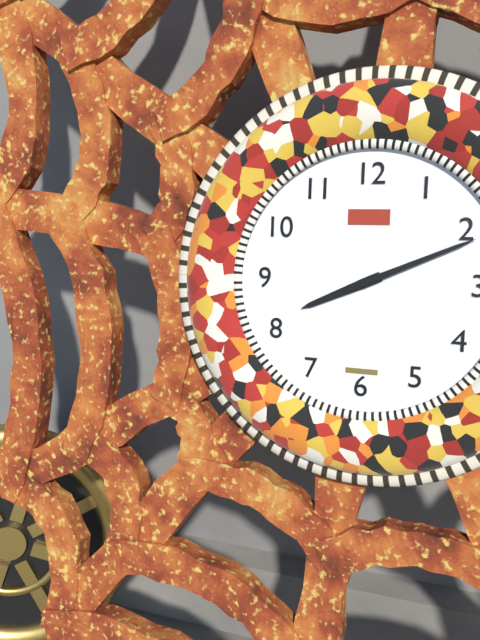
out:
8 h 11 min
